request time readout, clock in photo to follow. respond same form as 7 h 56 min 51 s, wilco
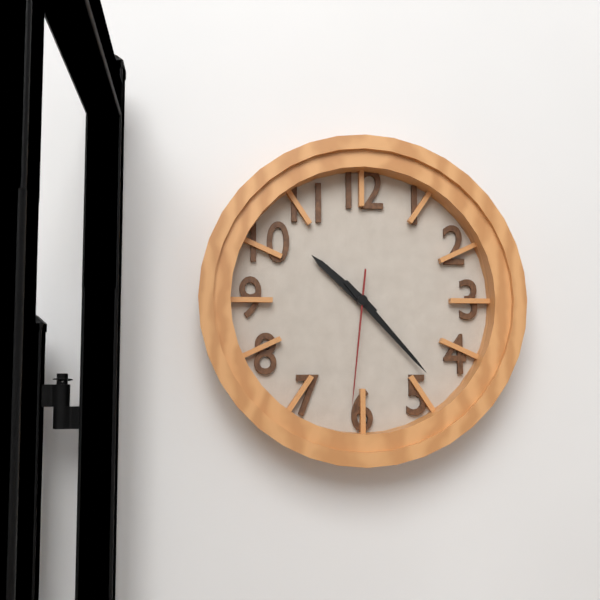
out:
10 h 23 min 31 s
